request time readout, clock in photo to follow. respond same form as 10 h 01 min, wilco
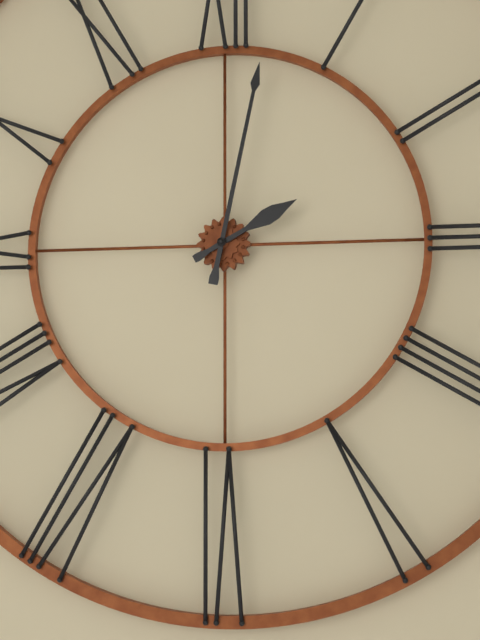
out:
2 h 02 min
